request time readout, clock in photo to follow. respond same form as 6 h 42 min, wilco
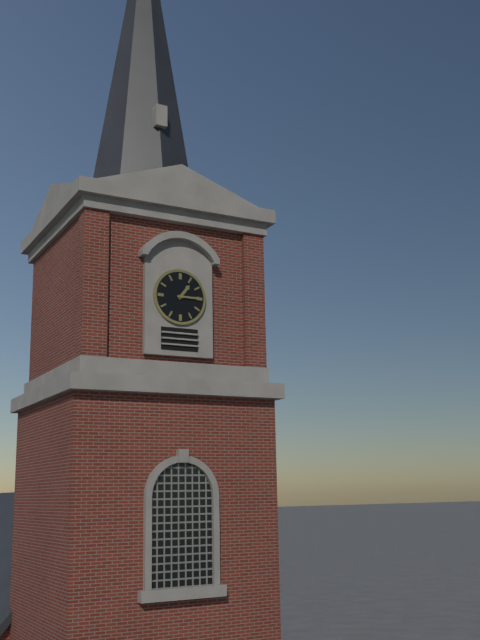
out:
1 h 15 min
